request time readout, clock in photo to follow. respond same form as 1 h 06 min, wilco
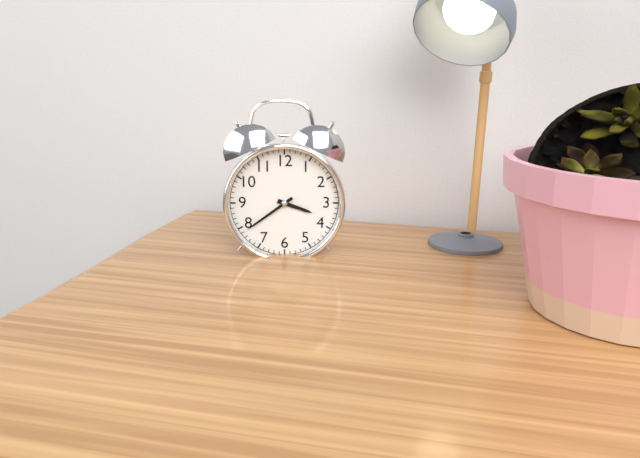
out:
3 h 39 min
